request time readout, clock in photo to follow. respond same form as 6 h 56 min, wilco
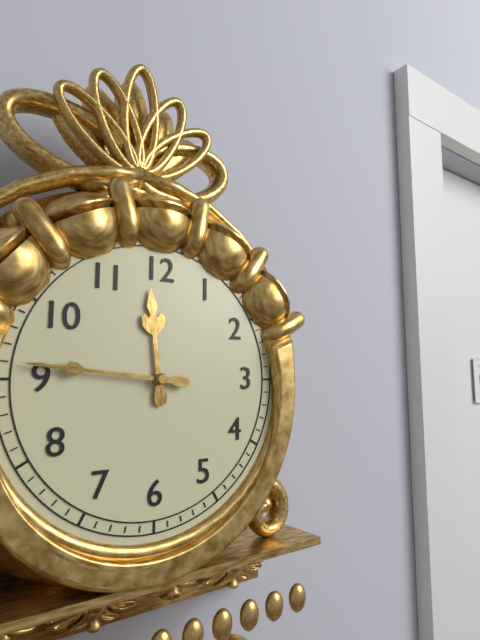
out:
11 h 46 min
